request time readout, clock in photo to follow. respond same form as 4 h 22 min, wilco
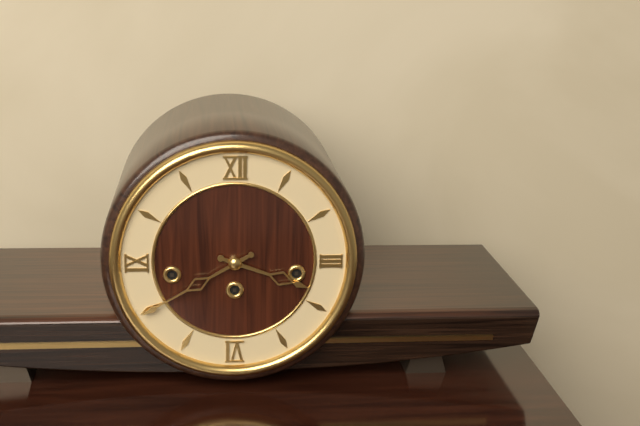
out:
3 h 40 min
